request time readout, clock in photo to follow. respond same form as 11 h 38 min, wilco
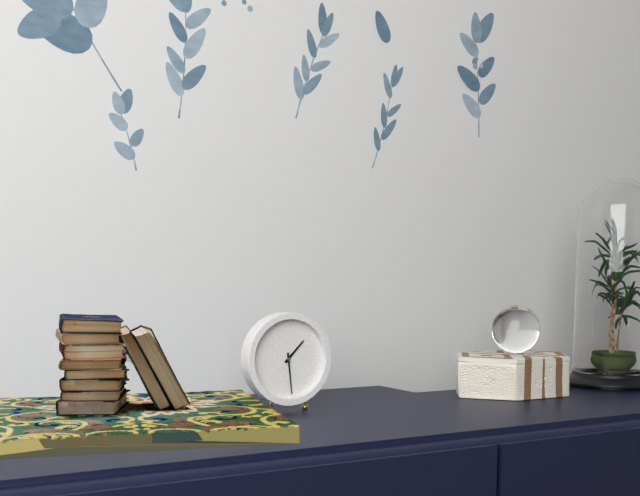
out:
1 h 29 min
